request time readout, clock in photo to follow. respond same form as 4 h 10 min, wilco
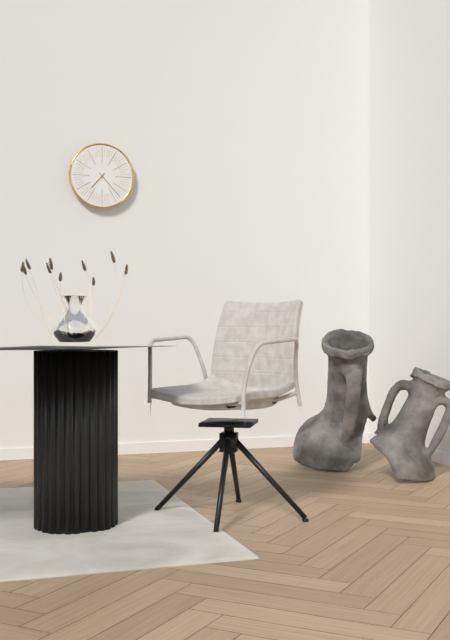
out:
7 h 23 min
